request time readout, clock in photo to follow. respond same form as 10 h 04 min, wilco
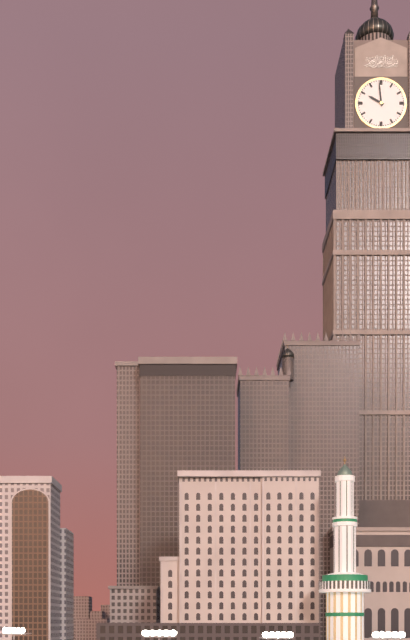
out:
9 h 59 min
